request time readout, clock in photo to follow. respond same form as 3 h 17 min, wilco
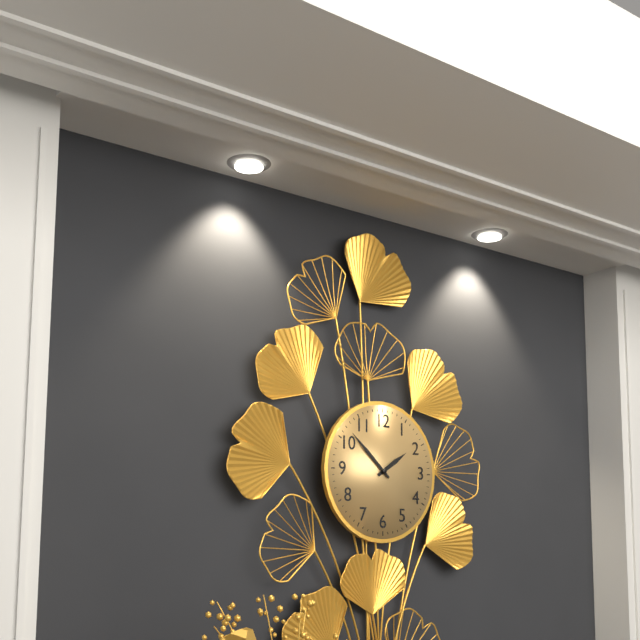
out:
1 h 52 min
